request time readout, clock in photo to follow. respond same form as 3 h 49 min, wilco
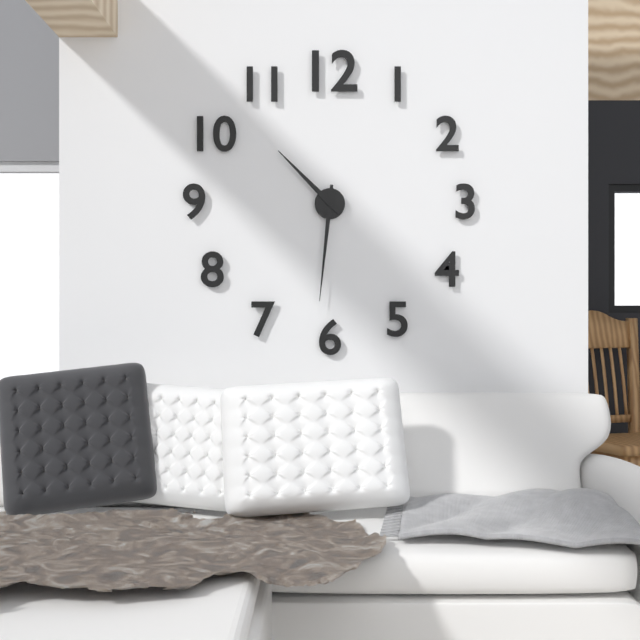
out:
10 h 31 min
